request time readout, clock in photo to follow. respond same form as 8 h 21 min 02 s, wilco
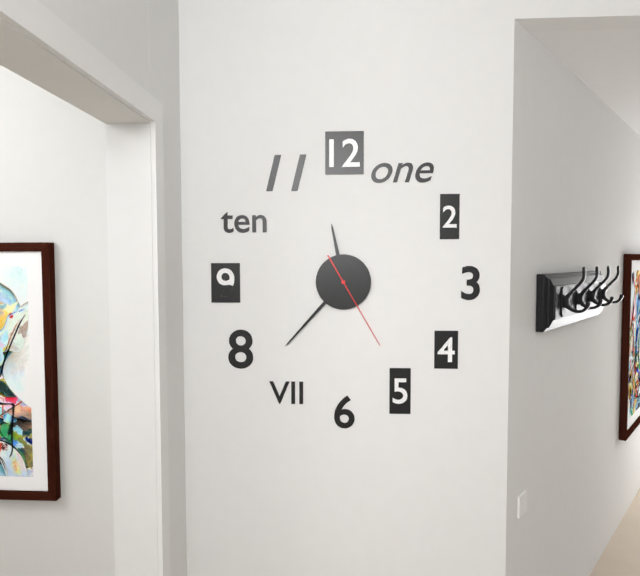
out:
11 h 37 min 25 s
